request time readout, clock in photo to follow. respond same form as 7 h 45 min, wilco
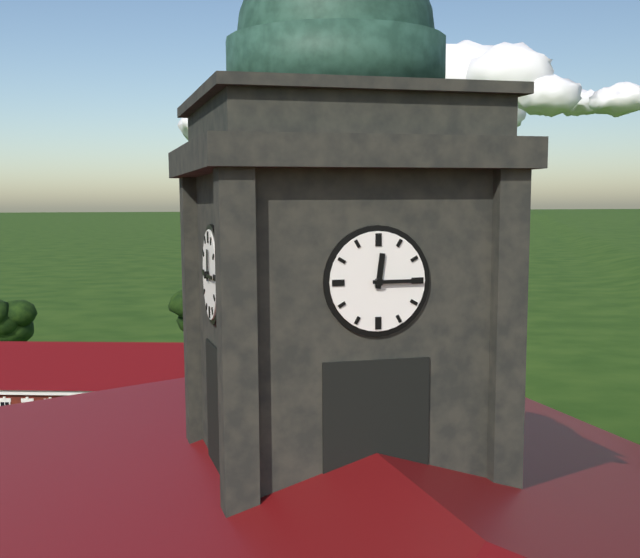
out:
12 h 15 min
